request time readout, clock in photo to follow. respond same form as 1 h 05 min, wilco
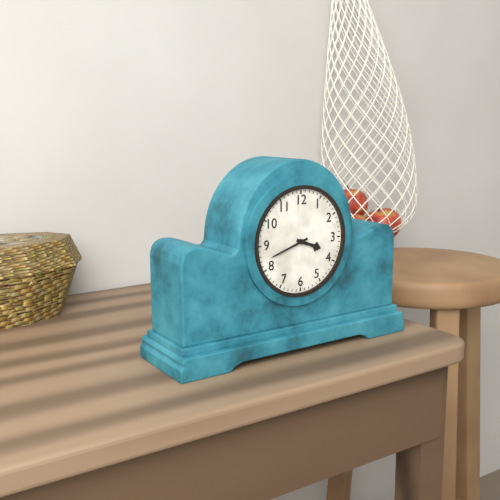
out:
3 h 42 min
